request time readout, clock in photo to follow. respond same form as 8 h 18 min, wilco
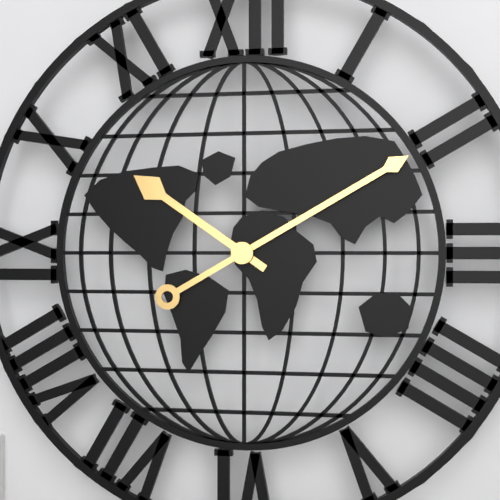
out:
10 h 10 min
